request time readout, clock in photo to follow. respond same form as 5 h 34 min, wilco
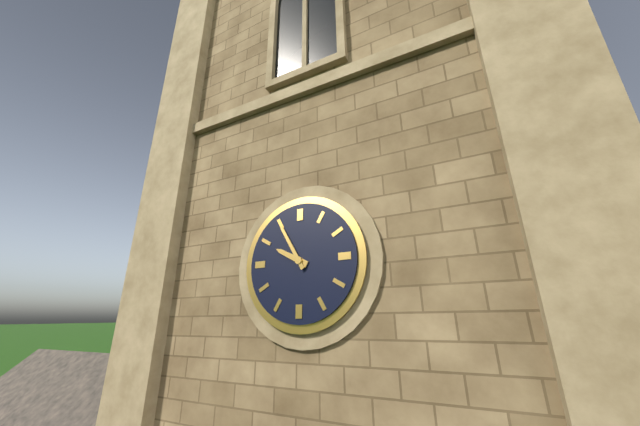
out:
9 h 55 min
